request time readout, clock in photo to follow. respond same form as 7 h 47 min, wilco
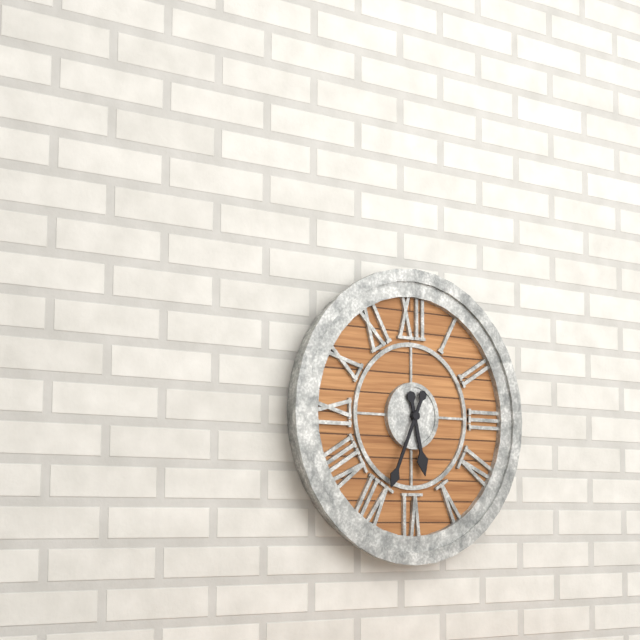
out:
5 h 34 min
